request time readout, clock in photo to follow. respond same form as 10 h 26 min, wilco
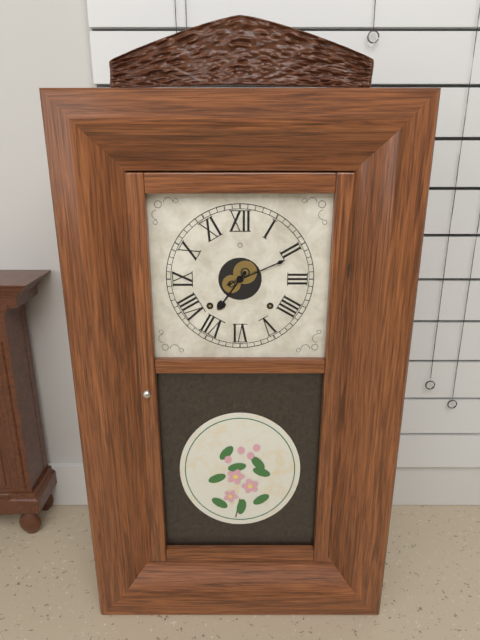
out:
7 h 11 min
